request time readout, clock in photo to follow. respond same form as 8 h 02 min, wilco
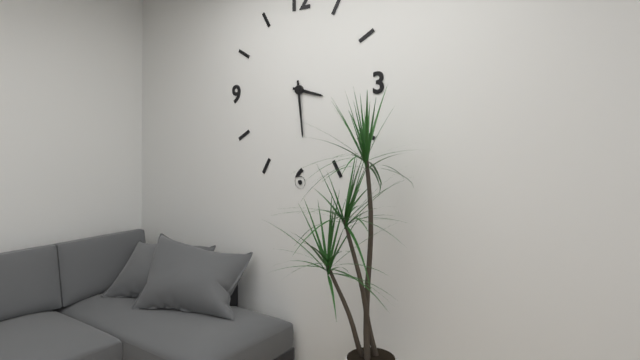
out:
3 h 29 min
